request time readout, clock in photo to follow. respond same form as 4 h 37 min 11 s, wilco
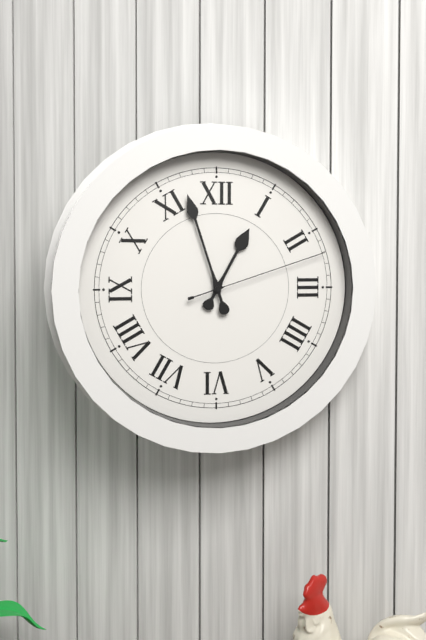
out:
12 h 57 min 12 s
